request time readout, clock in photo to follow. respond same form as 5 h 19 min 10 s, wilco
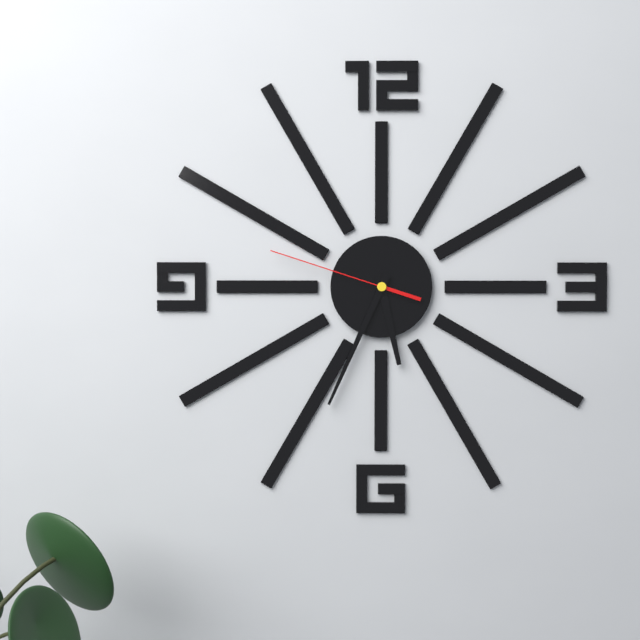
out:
5 h 34 min 48 s
